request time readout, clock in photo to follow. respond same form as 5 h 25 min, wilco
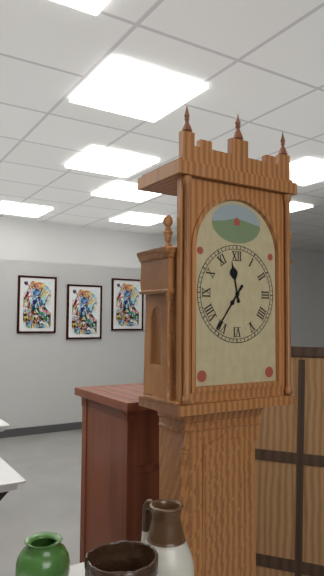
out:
11 h 36 min
